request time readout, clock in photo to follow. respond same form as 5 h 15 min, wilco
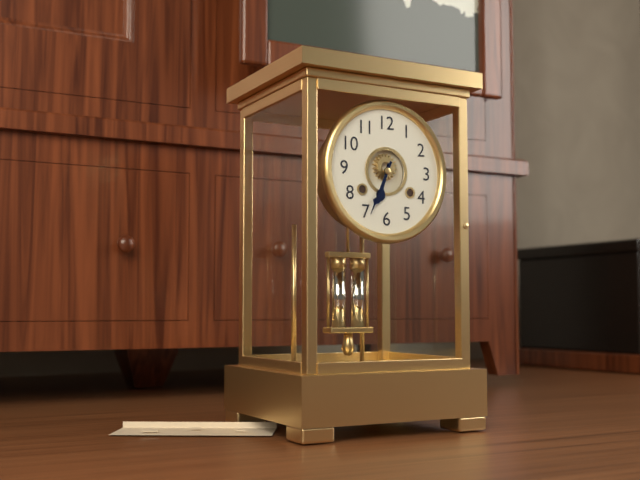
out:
6 h 34 min
